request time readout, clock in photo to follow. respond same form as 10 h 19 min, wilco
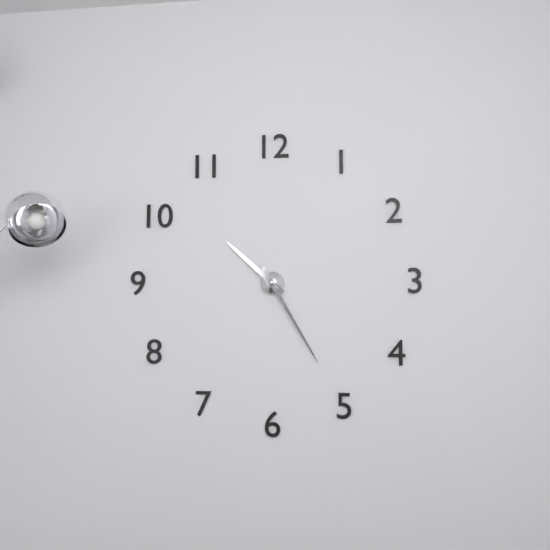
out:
10 h 25 min
